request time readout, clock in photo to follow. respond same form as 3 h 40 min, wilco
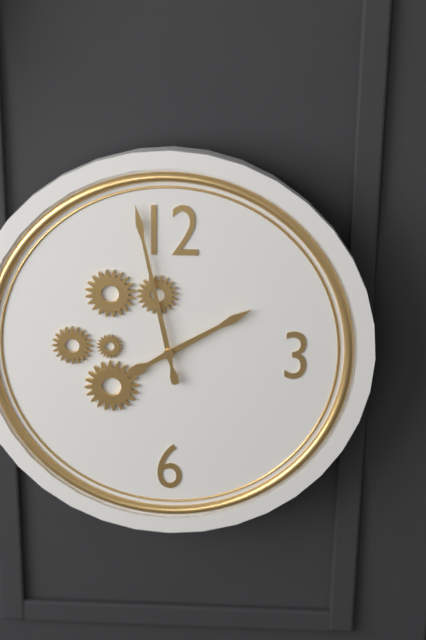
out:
1 h 58 min
